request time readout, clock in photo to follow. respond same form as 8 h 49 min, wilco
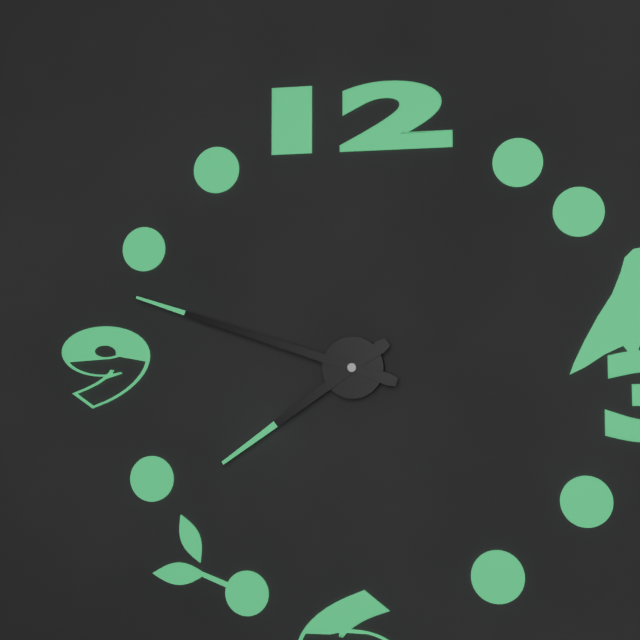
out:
7 h 48 min
